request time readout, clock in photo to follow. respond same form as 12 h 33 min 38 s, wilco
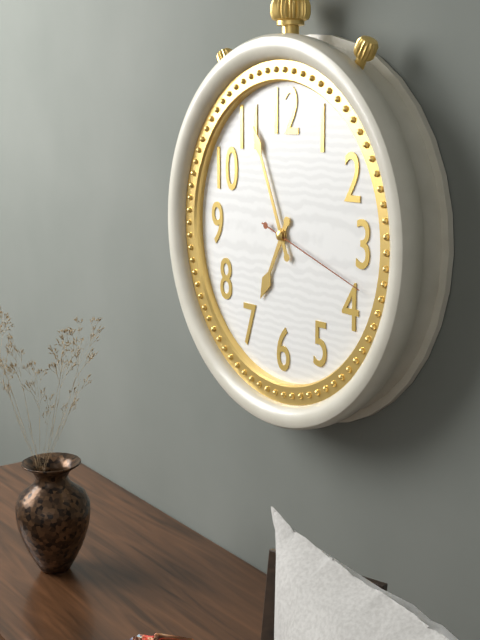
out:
6 h 56 min 18 s
